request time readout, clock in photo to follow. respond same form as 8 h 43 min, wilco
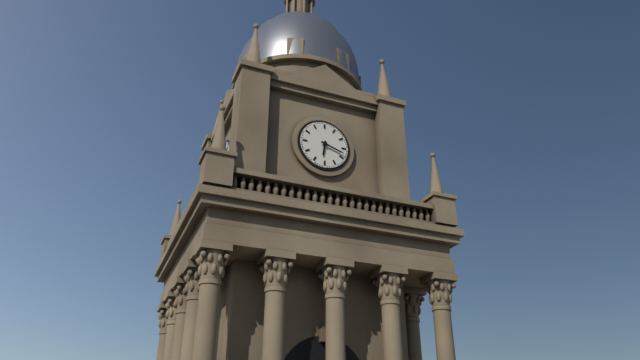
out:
6 h 18 min
